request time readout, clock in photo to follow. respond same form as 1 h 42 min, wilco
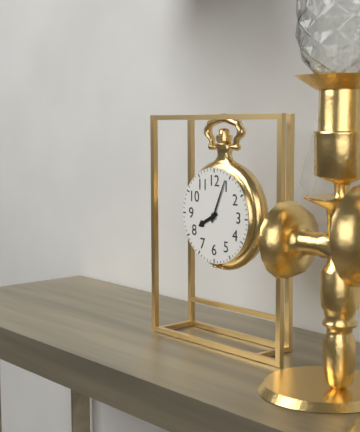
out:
8 h 04 min
